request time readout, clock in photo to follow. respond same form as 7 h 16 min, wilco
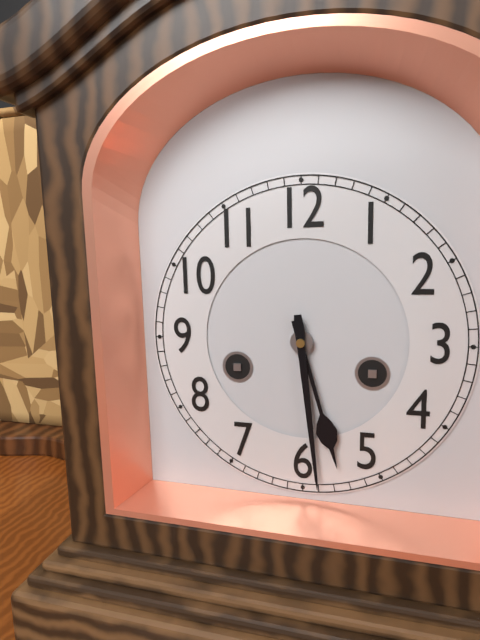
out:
5 h 29 min
